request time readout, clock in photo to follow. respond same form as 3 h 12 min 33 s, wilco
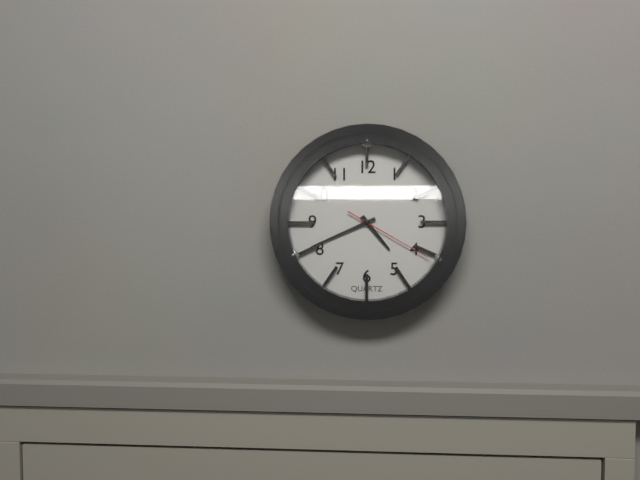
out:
4 h 41 min 20 s
